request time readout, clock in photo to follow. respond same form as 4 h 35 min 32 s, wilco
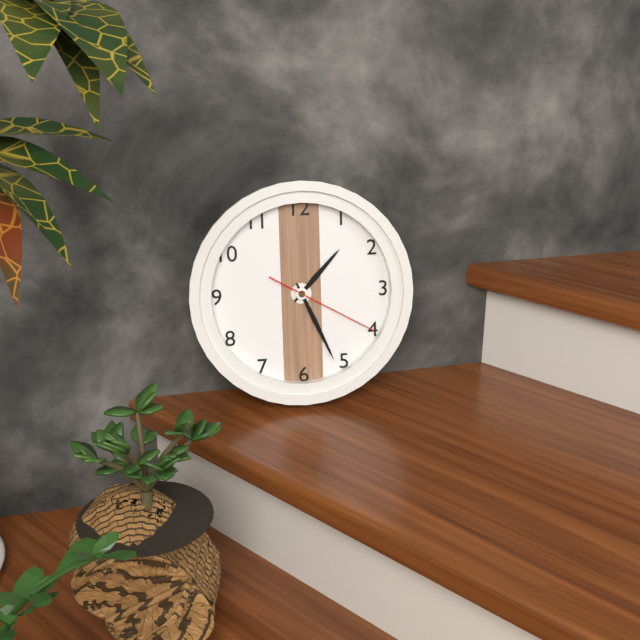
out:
1 h 26 min 20 s
